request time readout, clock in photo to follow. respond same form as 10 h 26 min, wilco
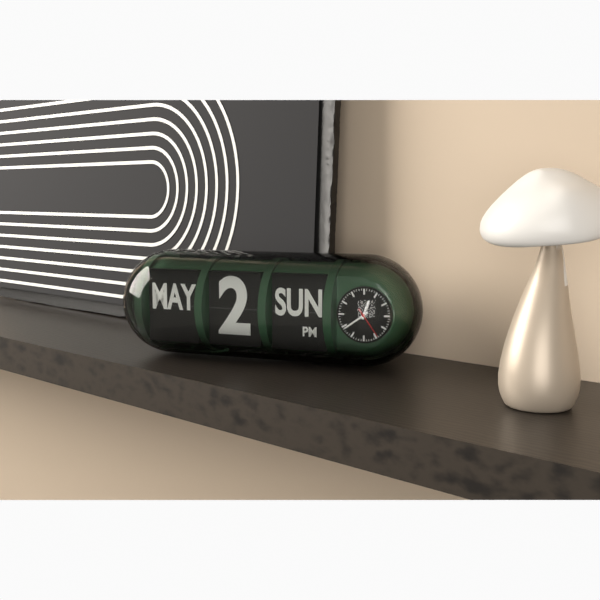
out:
12 h 39 min
